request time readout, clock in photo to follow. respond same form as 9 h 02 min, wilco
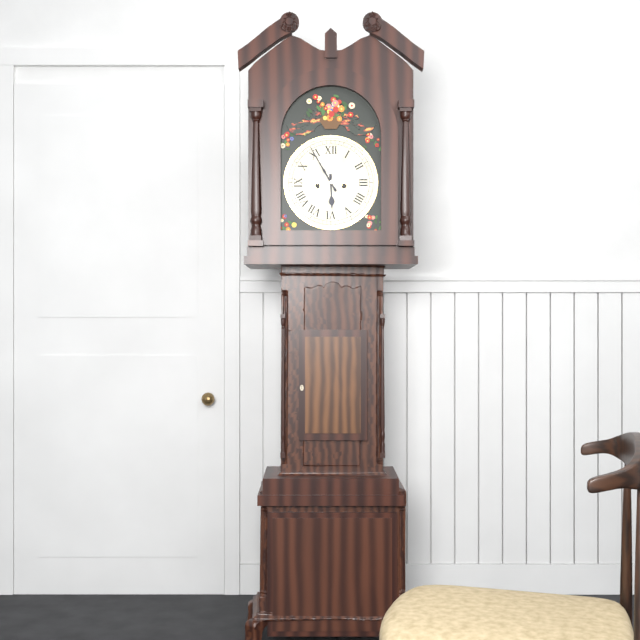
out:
5 h 55 min
